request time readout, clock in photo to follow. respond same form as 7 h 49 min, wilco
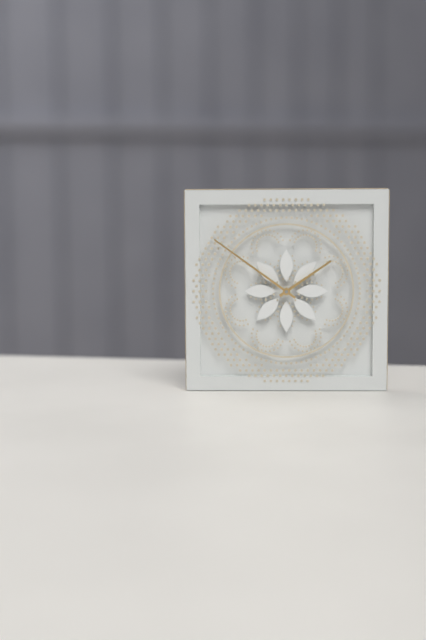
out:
1 h 51 min
